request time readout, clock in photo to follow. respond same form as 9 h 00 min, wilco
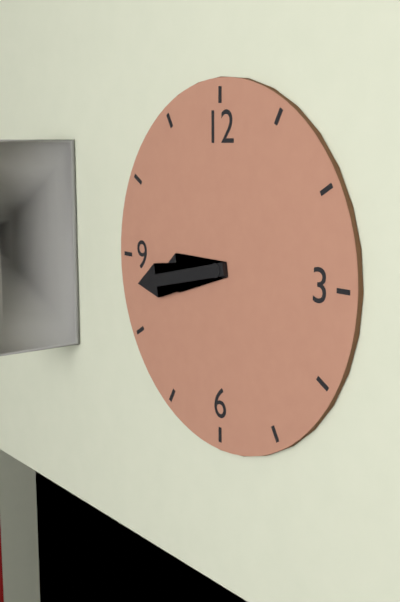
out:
8 h 43 min
